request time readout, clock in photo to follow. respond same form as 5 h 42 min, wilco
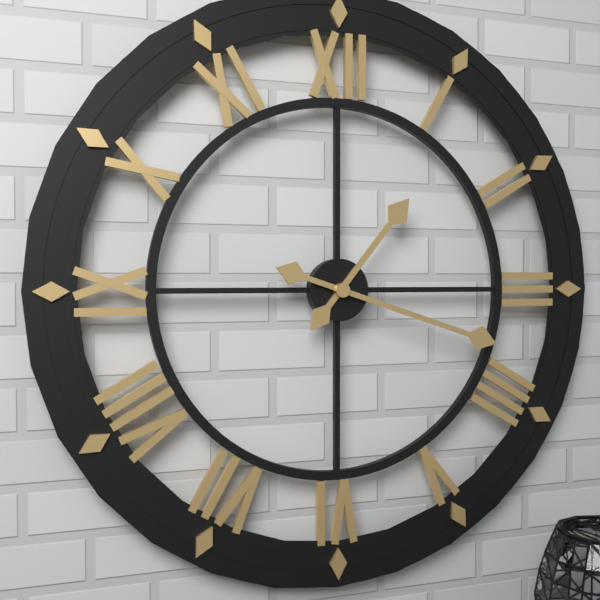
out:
1 h 18 min
